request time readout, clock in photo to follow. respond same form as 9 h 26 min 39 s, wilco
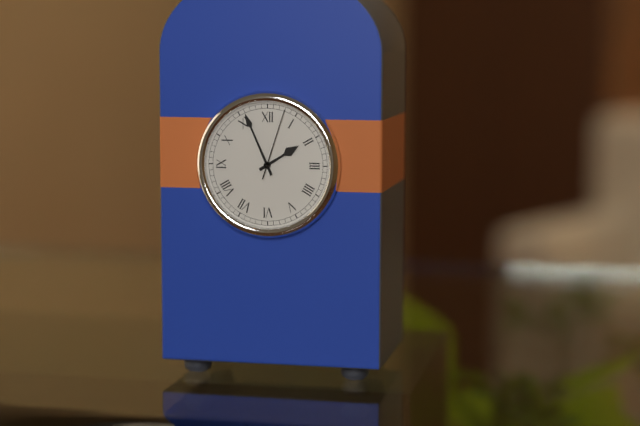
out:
1 h 56 min 03 s
